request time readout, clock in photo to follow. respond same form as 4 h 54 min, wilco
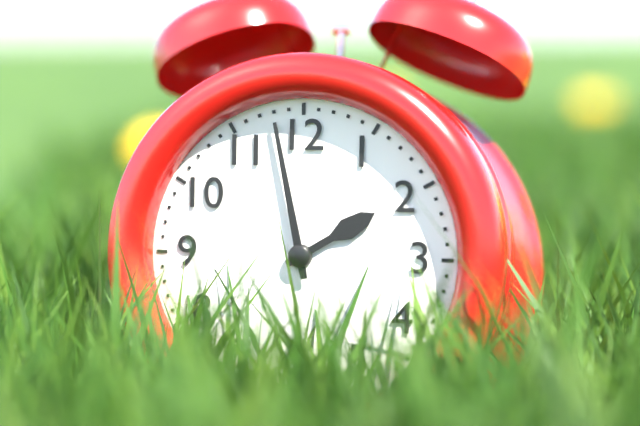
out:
1 h 58 min
